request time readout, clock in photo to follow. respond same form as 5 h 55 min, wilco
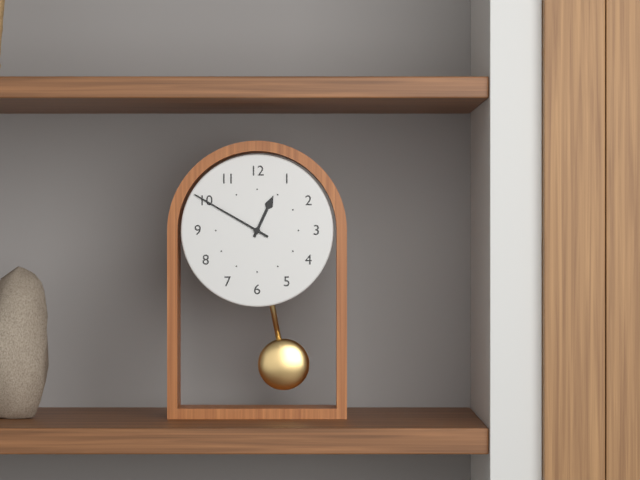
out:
12 h 50 min
